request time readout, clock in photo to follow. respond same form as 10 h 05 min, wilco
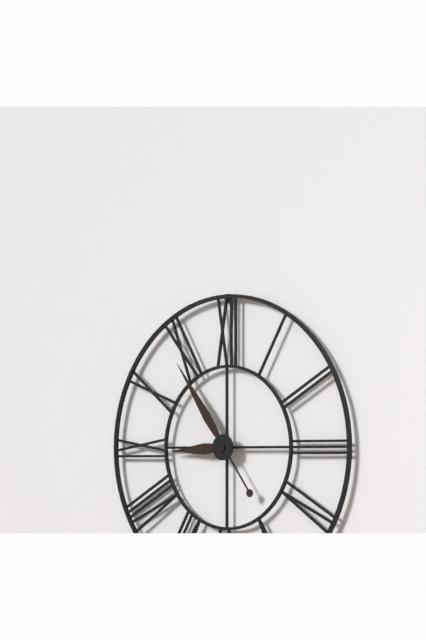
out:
8 h 54 min
